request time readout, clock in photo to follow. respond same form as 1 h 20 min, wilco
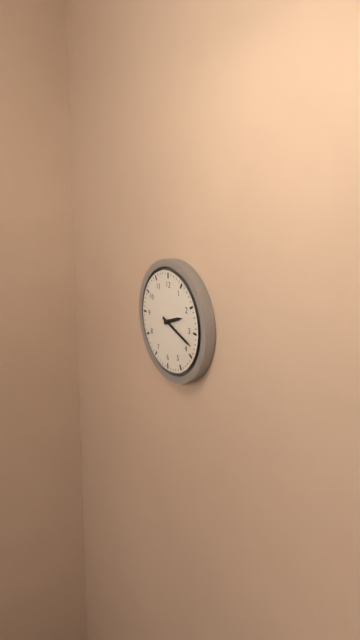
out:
2 h 18 min
